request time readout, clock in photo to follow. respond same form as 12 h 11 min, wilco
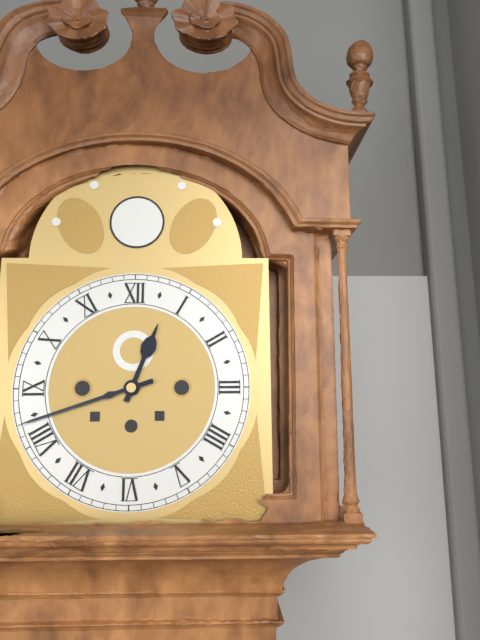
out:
12 h 42 min
